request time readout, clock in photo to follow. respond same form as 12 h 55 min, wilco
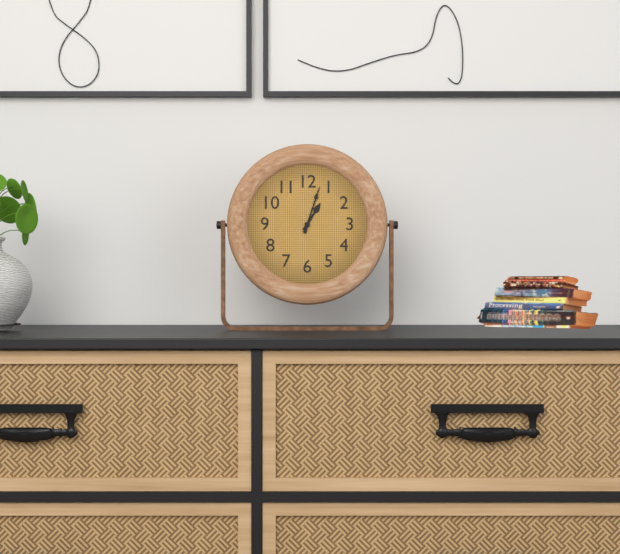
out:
1 h 03 min
